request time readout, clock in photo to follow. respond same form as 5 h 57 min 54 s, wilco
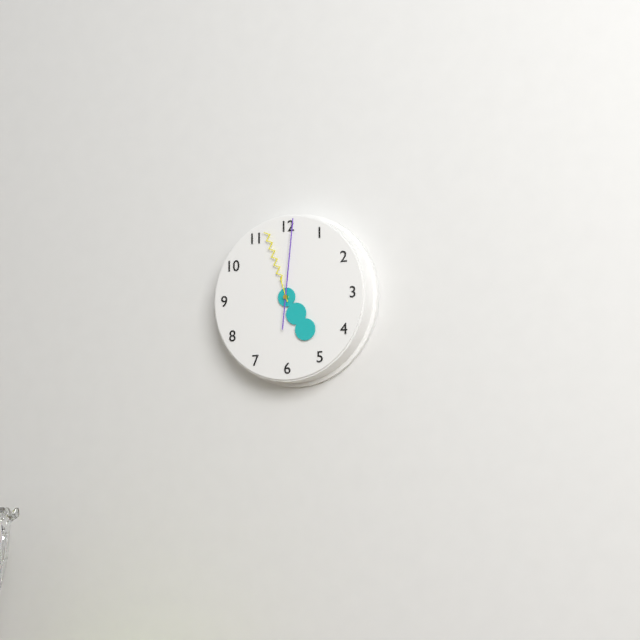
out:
4 h 57 min 01 s
